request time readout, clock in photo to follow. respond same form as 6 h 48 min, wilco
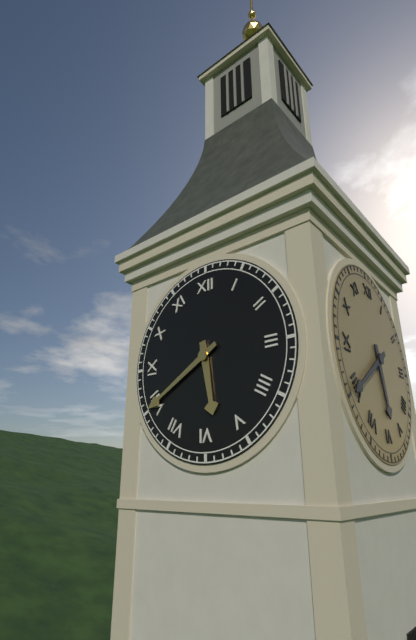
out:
5 h 40 min
